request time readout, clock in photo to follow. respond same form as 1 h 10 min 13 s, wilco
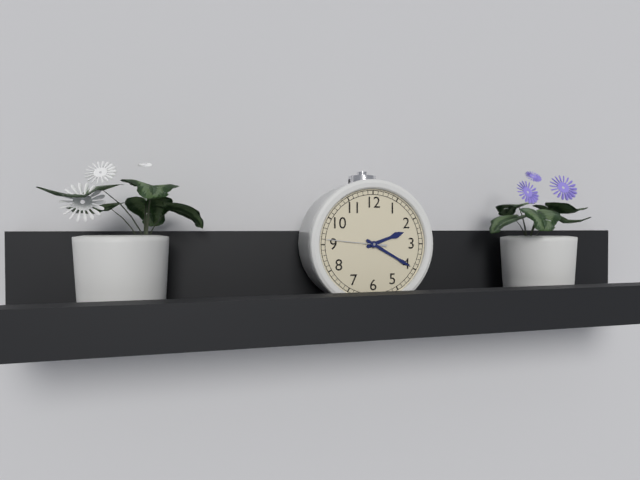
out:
2 h 20 min 46 s
